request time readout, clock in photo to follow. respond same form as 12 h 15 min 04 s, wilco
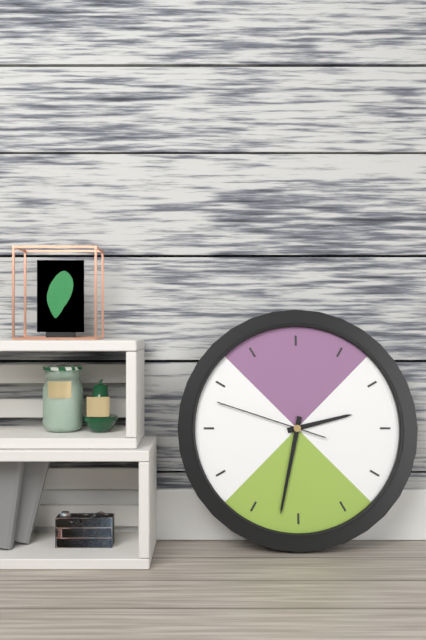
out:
2 h 32 min 48 s
